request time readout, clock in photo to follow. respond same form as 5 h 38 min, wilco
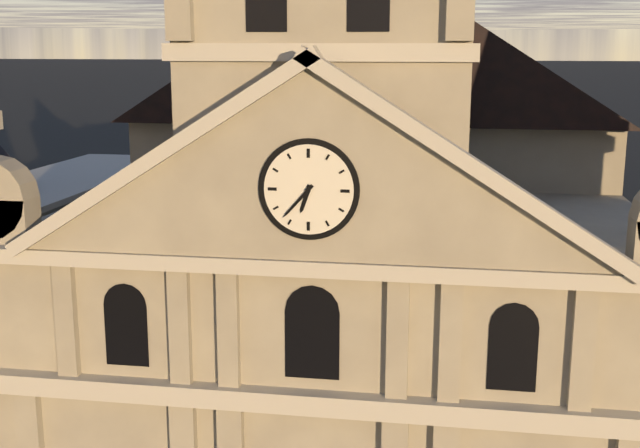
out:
6 h 37 min
